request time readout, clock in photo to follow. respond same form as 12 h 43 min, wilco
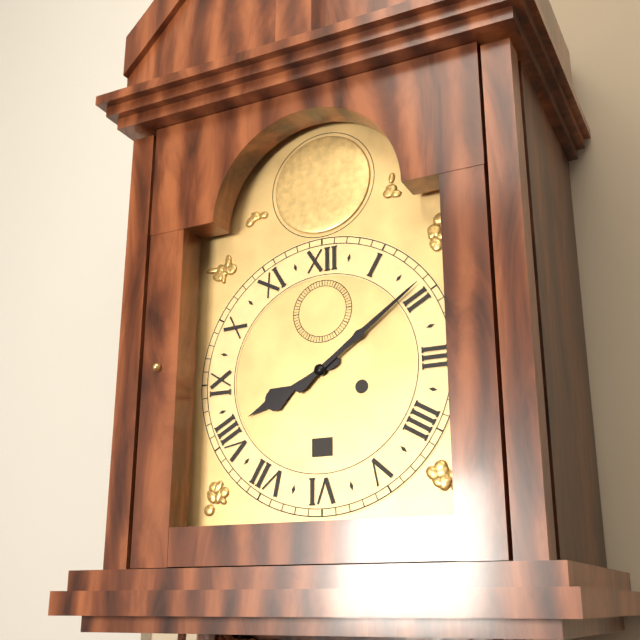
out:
8 h 09 min
